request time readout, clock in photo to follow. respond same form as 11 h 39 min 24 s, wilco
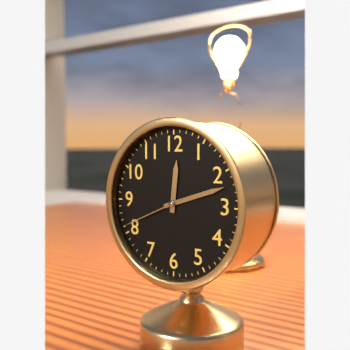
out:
12 h 12 min 41 s
